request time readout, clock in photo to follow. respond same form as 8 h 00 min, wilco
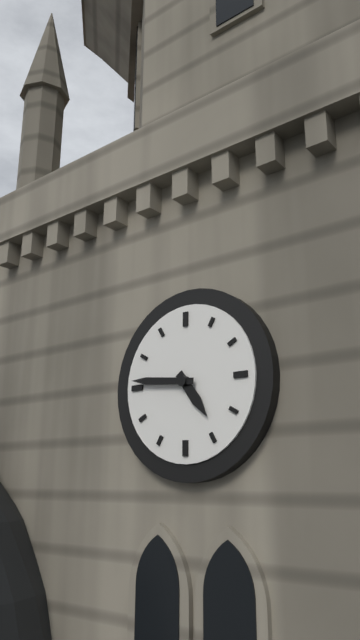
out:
4 h 46 min
